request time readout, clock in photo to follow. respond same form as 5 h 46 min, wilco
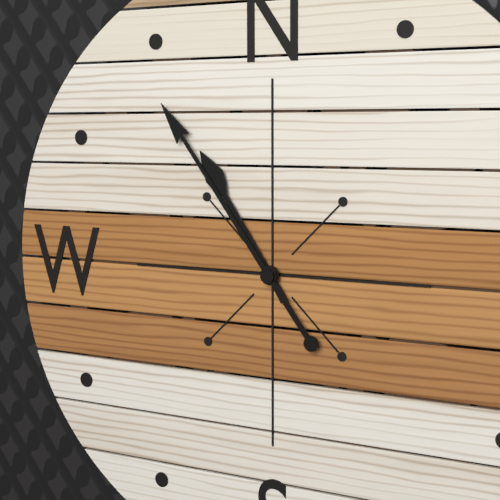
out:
10 h 54 min
